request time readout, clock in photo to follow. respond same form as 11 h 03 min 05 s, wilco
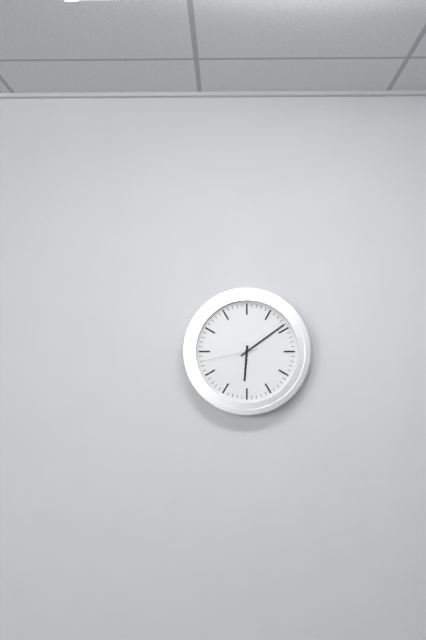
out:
6 h 09 min 43 s
